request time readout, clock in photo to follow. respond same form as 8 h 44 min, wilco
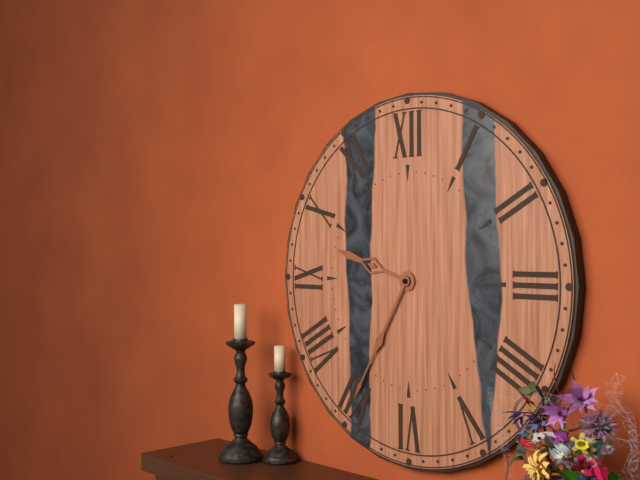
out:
9 h 35 min
